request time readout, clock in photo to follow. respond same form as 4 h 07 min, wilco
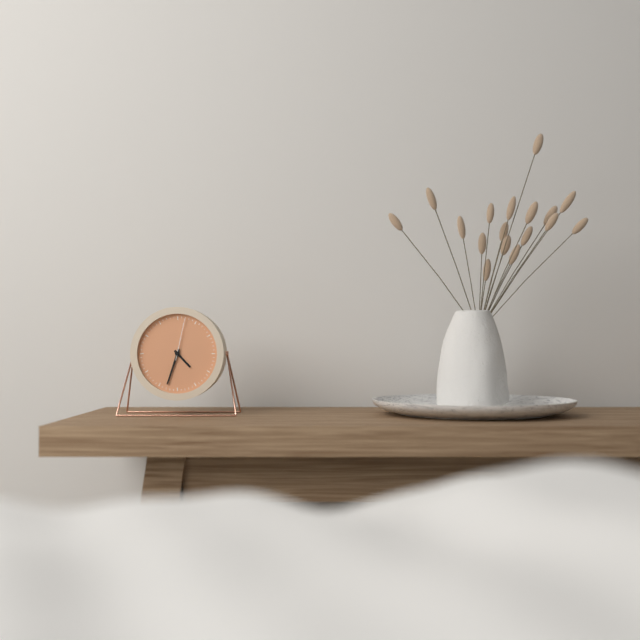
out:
4 h 33 min
